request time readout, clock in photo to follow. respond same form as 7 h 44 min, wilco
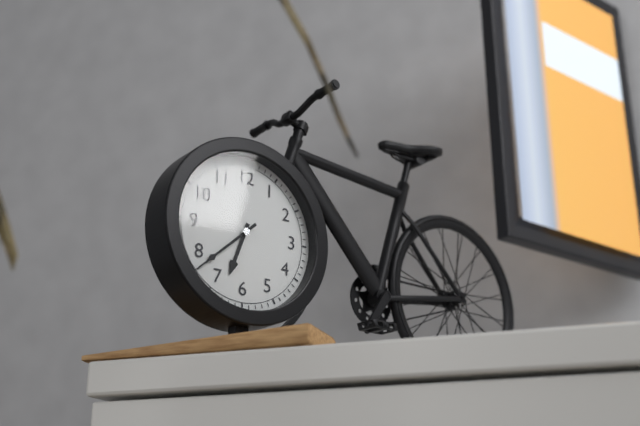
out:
6 h 38 min
